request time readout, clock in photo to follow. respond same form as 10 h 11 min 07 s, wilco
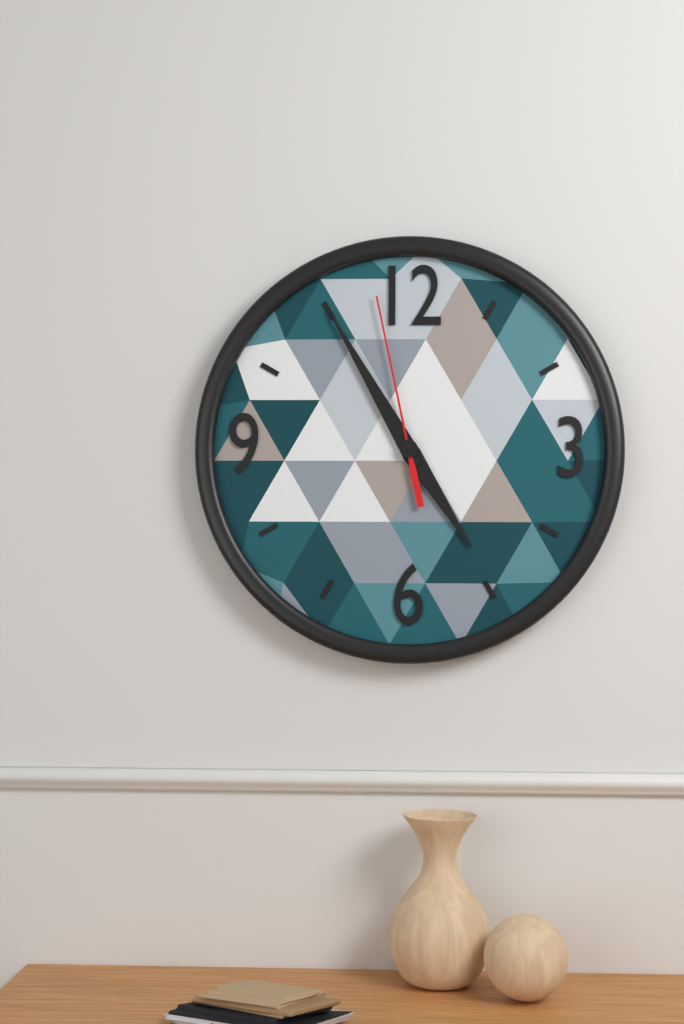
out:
4 h 55 min 58 s
